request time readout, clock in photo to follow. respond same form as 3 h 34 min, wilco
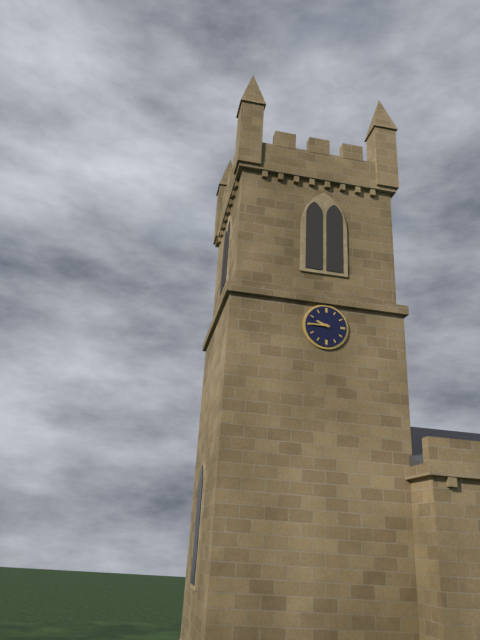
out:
9 h 45 min
